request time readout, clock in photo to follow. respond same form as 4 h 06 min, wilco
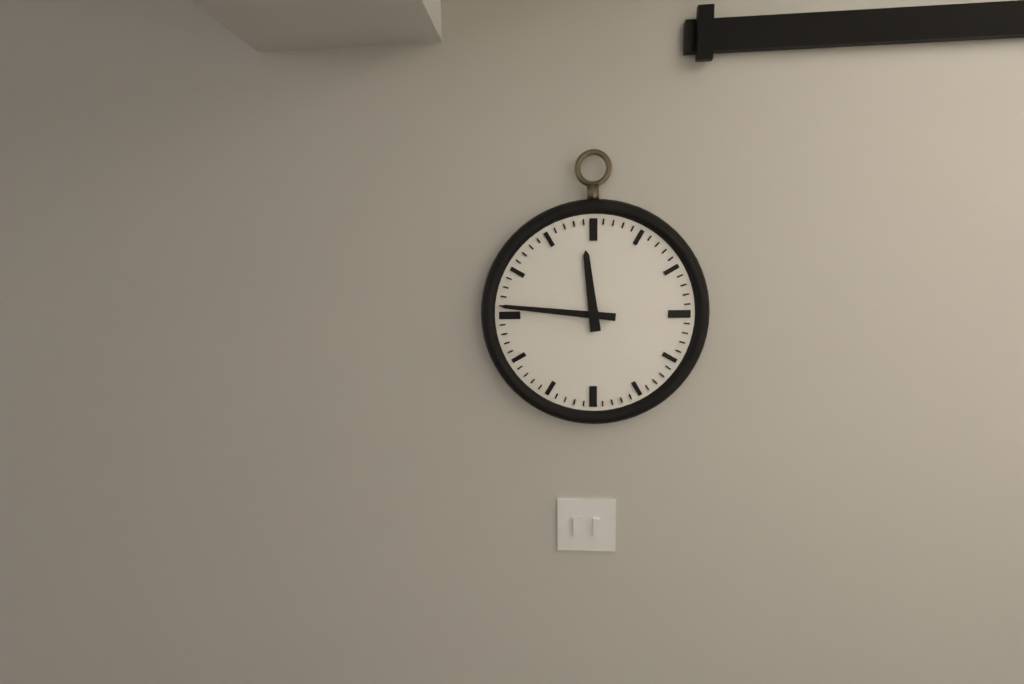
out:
11 h 46 min
